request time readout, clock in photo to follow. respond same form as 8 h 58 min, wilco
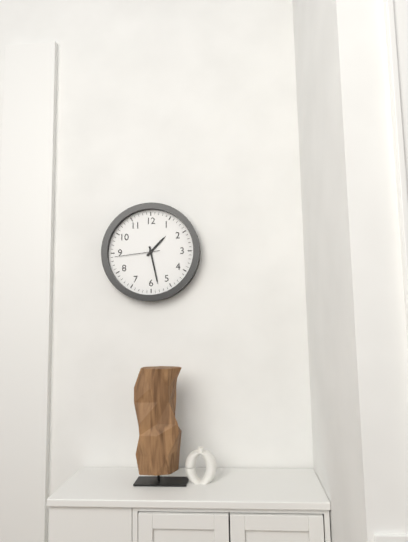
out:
1 h 28 min
